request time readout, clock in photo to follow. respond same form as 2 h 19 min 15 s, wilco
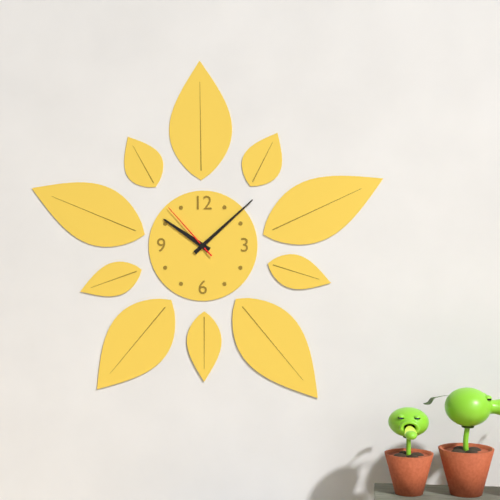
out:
10 h 08 min 53 s
